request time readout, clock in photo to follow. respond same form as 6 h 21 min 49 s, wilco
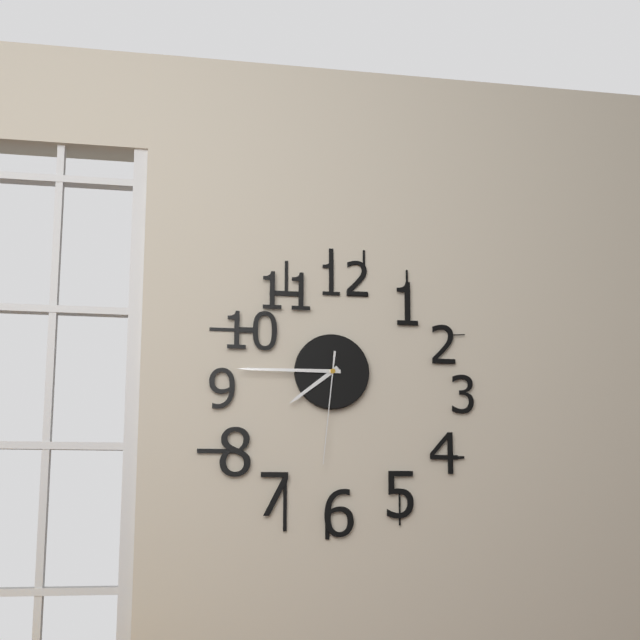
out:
7 h 45 min 31 s
